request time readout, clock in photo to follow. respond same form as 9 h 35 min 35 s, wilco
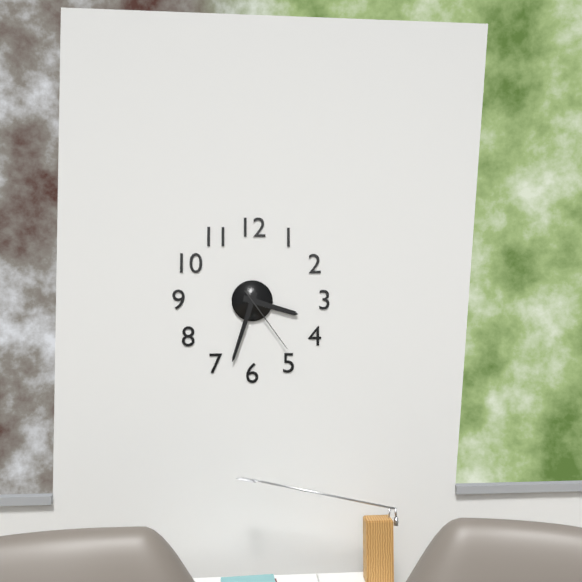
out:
3 h 33 min 24 s
